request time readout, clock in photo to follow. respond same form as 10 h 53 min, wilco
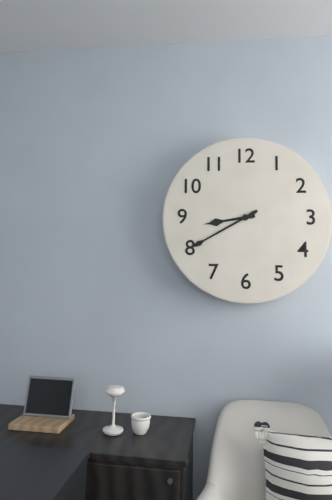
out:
8 h 40 min
